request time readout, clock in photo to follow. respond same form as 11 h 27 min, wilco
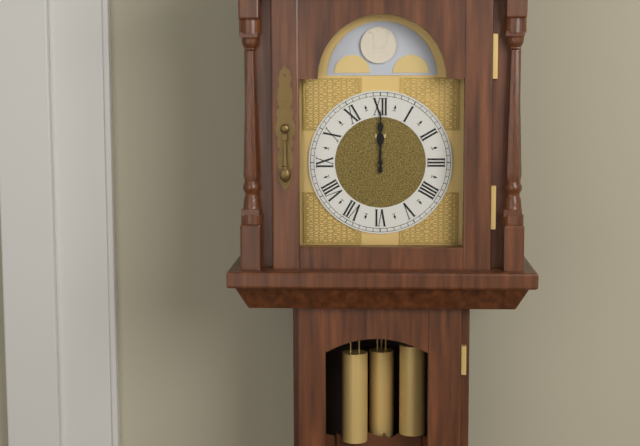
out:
12 h 00 min
